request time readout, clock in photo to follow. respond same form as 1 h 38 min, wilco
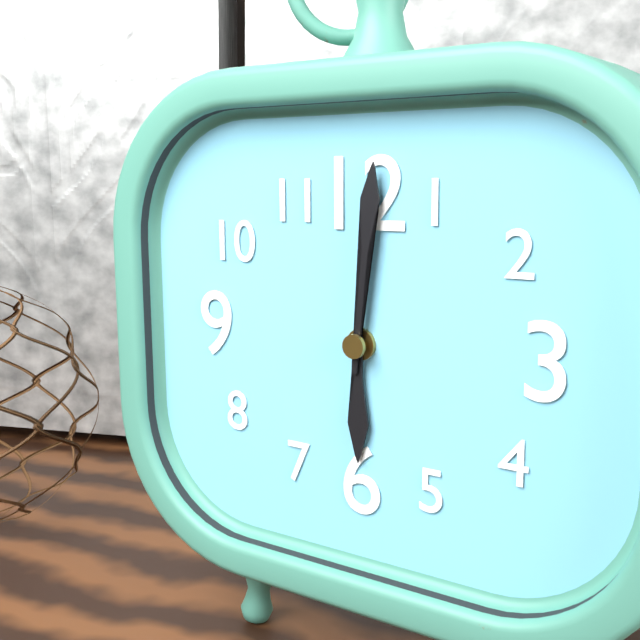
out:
6 h 01 min
